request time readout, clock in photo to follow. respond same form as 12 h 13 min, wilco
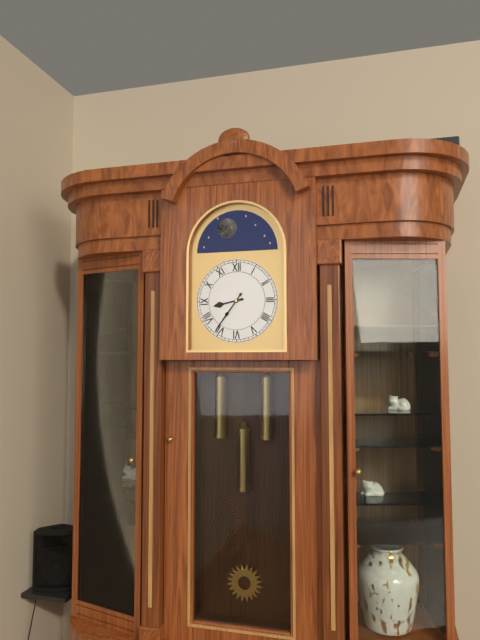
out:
8 h 36 min
